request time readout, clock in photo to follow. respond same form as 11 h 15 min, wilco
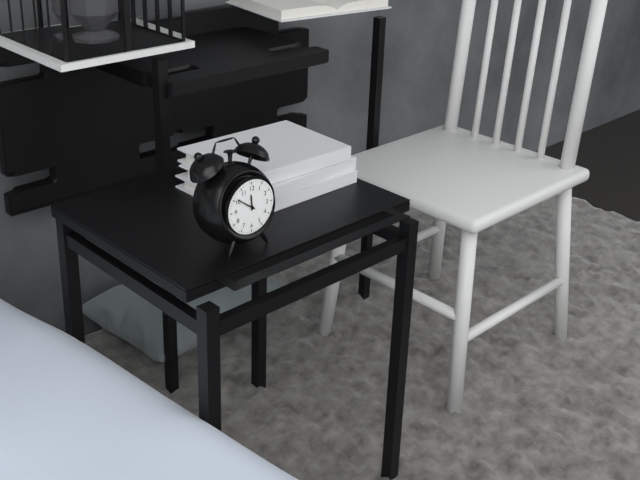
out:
11 h 51 min
